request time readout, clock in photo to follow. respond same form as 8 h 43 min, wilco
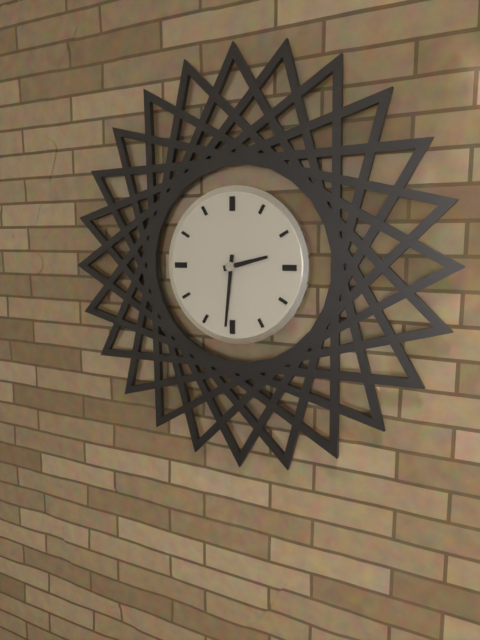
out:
2 h 31 min
